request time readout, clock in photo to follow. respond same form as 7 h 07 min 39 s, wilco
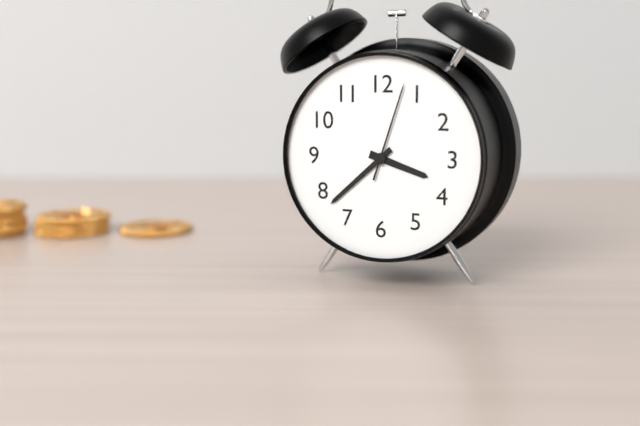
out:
3 h 38 min 03 s
